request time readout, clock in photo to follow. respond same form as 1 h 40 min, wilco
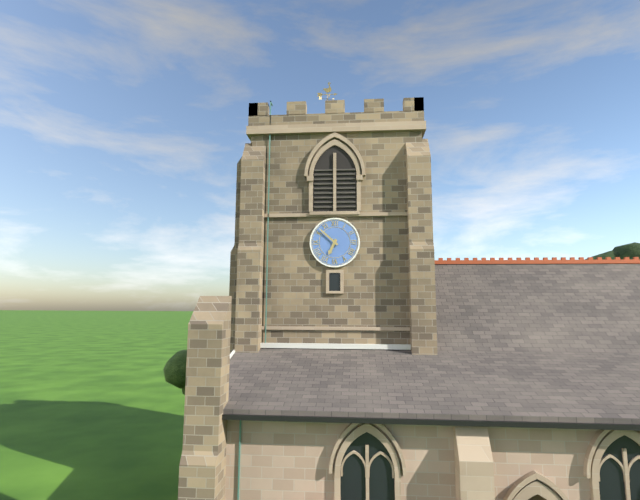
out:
6 h 52 min
